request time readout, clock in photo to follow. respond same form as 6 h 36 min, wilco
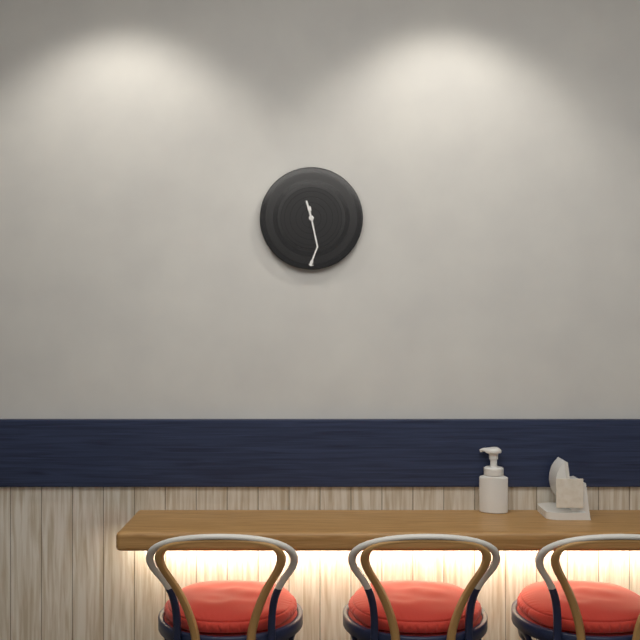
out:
11 h 28 min
